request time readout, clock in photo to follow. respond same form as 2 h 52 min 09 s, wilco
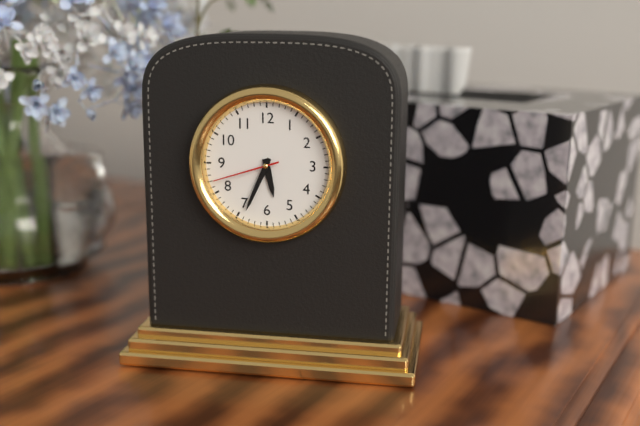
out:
5 h 34 min 42 s
